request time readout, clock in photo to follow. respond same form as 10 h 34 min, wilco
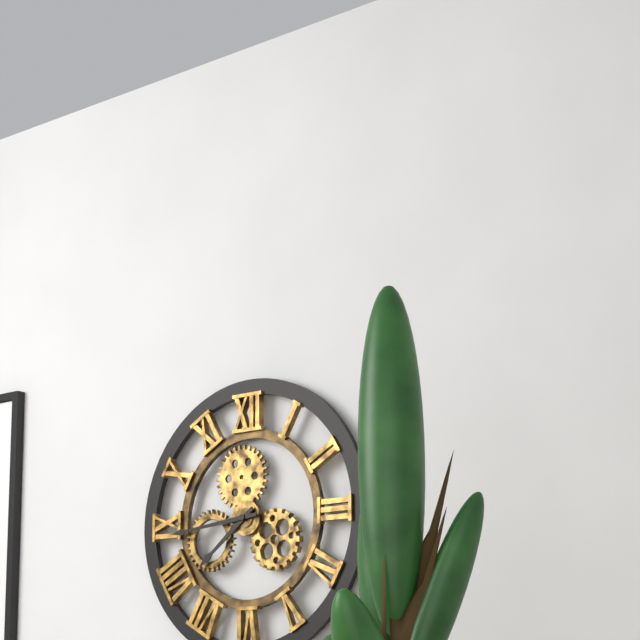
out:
7 h 44 min
